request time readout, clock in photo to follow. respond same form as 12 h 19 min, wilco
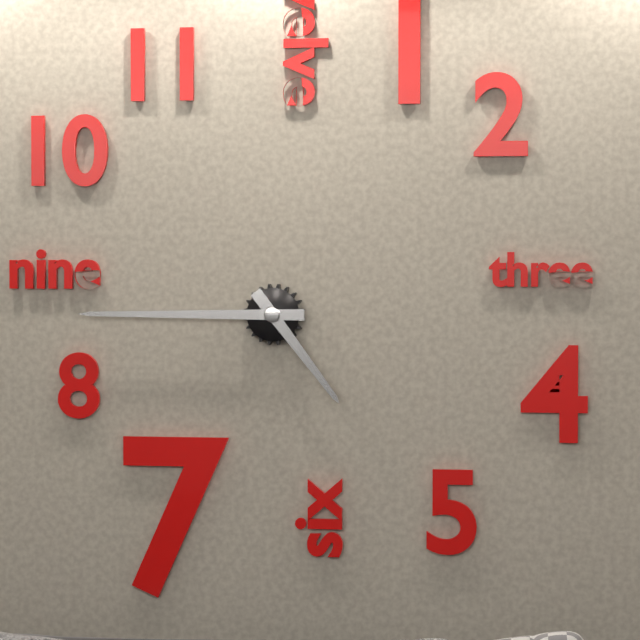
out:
4 h 45 min
